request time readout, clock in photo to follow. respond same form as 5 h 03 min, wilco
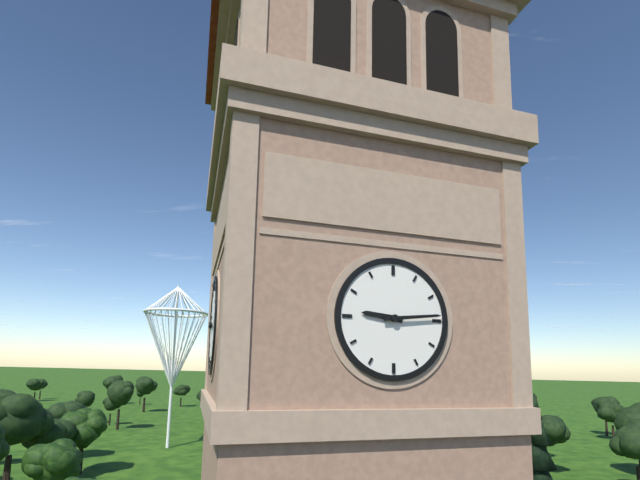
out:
9 h 14 min
